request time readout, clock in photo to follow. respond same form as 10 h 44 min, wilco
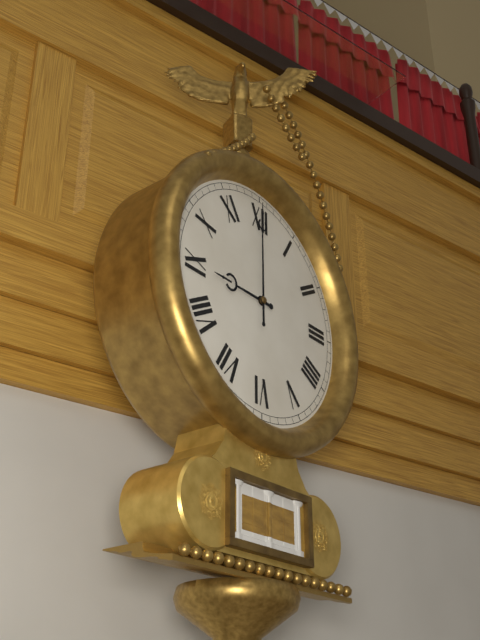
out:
9 h 00 min
